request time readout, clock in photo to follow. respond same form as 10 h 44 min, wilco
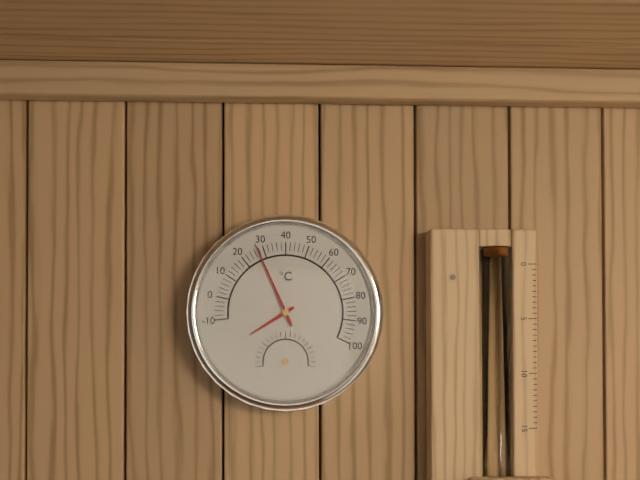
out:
7 h 56 min
